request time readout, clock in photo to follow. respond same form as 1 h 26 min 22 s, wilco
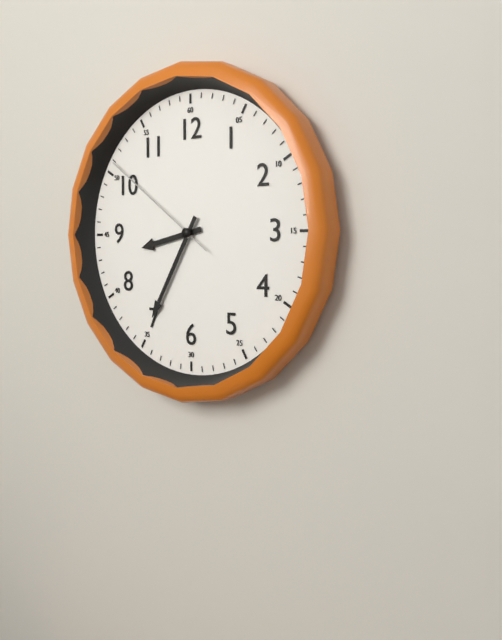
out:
8 h 35 min 51 s
